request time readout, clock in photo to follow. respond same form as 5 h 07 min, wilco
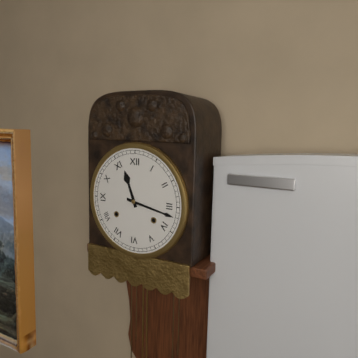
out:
11 h 17 min
